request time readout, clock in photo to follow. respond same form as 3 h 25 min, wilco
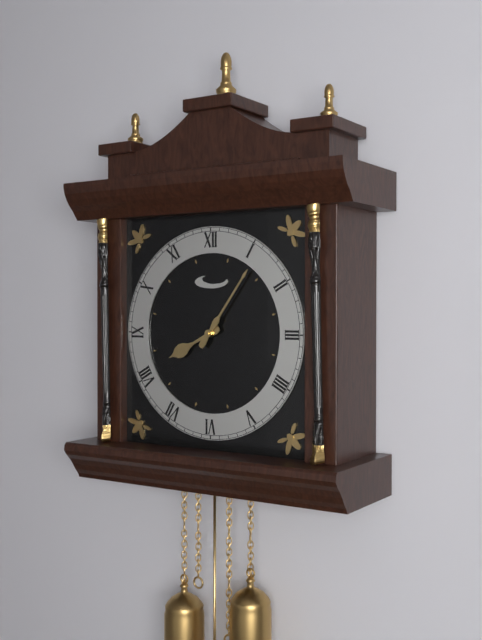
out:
8 h 06 min
